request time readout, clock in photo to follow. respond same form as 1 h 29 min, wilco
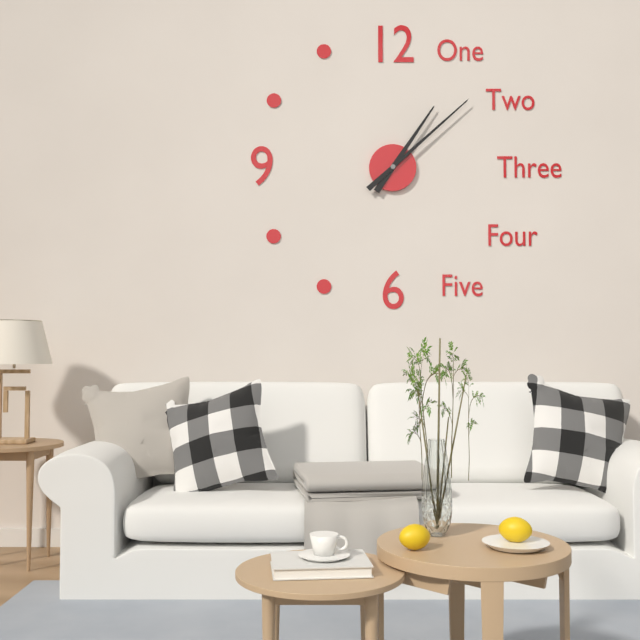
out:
1 h 08 min
